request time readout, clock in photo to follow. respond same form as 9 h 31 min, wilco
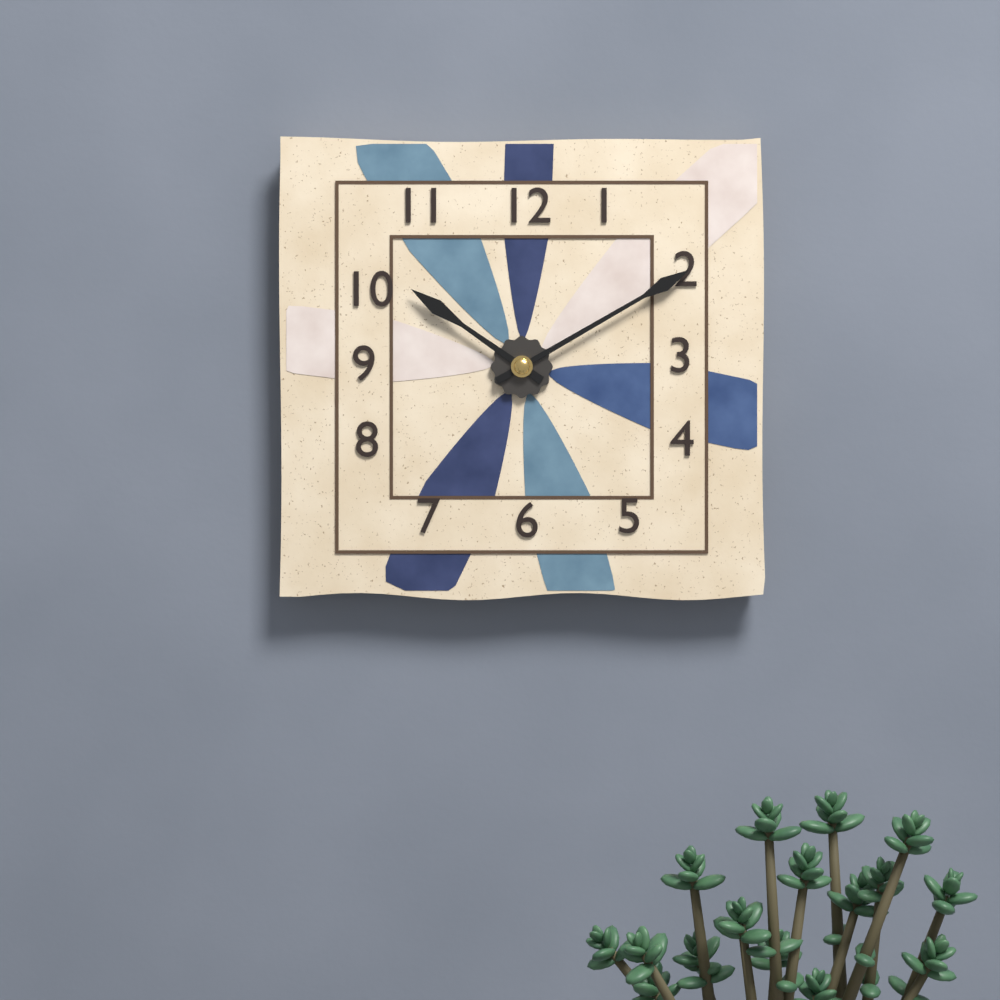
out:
10 h 10 min
